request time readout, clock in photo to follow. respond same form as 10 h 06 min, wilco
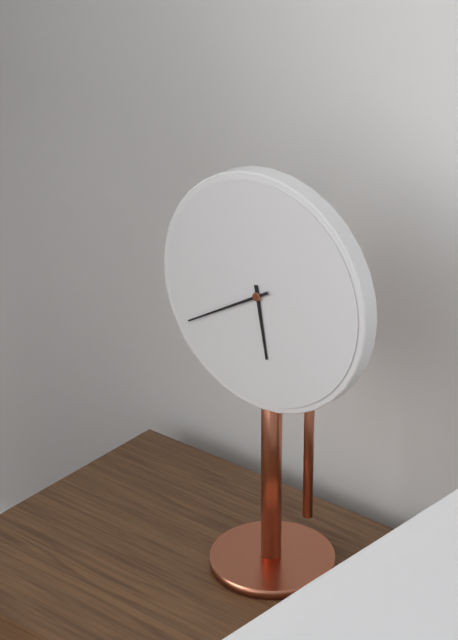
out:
5 h 40 min
